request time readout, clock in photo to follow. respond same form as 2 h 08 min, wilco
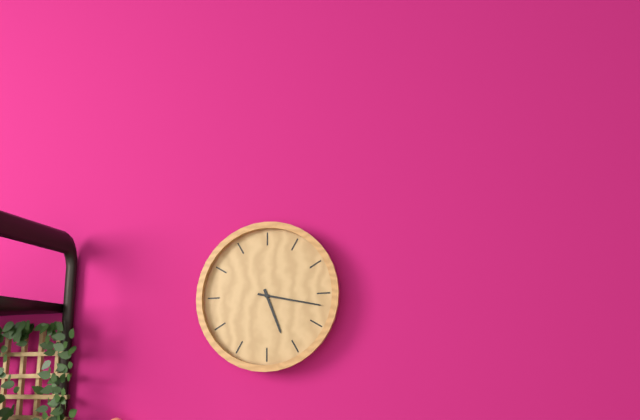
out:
5 h 17 min
